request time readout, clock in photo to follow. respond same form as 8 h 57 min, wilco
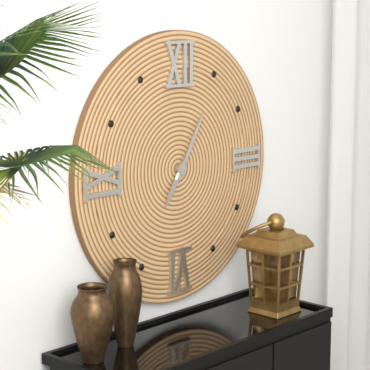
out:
7 h 05 min
